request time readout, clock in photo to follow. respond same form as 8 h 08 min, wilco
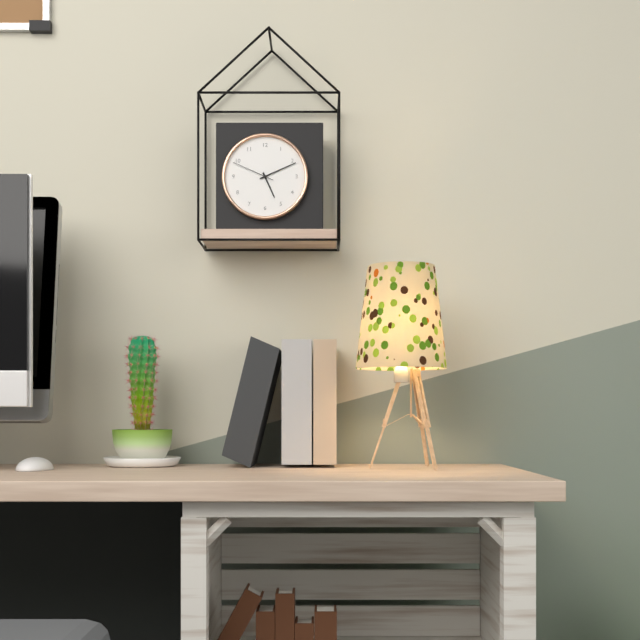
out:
5 h 11 min
